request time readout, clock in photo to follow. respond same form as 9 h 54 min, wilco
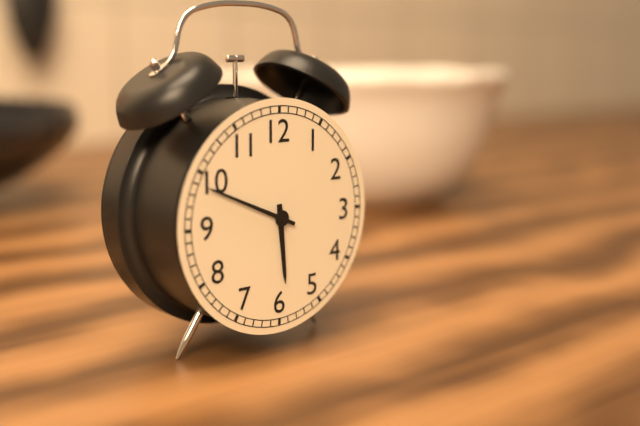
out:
5 h 49 min
